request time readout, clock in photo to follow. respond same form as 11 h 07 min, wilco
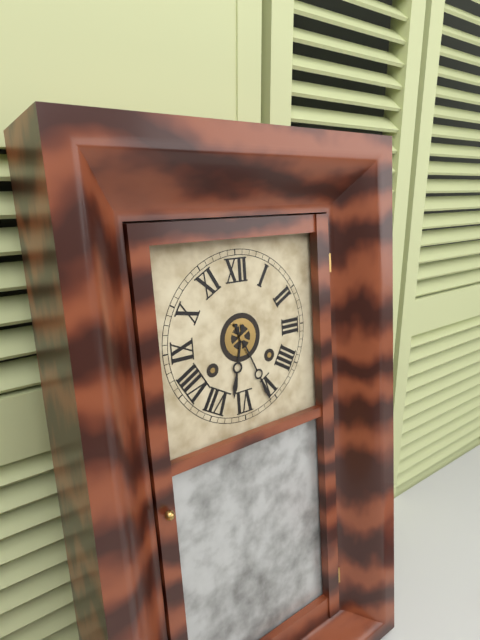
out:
6 h 26 min
